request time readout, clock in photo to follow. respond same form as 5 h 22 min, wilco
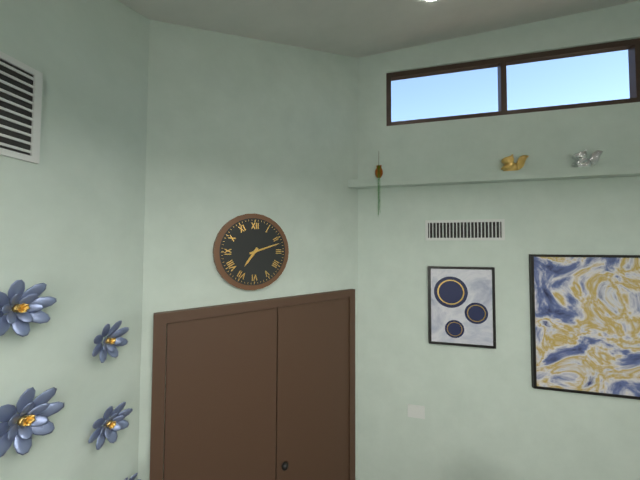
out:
7 h 12 min
